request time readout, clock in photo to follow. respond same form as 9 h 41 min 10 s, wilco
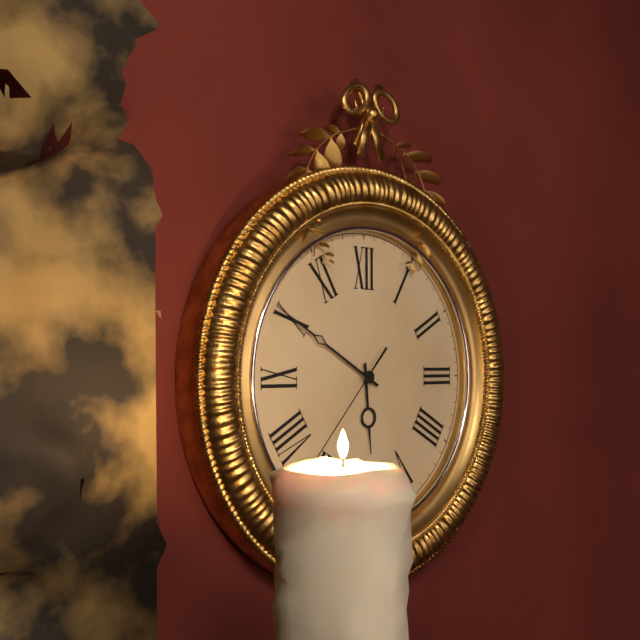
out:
5 h 50 min 37 s
